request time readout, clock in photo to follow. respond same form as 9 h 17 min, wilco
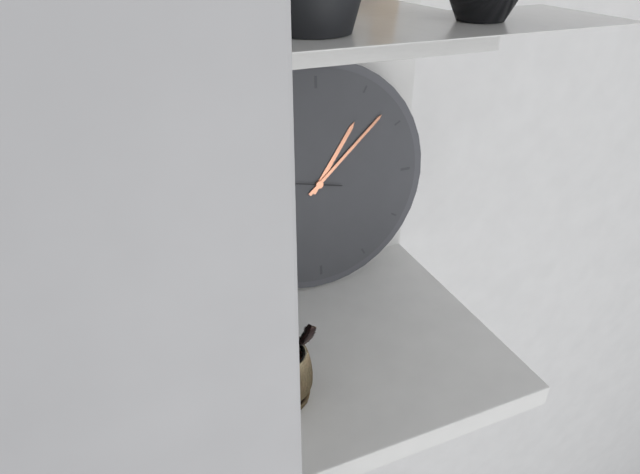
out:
1 h 08 min
